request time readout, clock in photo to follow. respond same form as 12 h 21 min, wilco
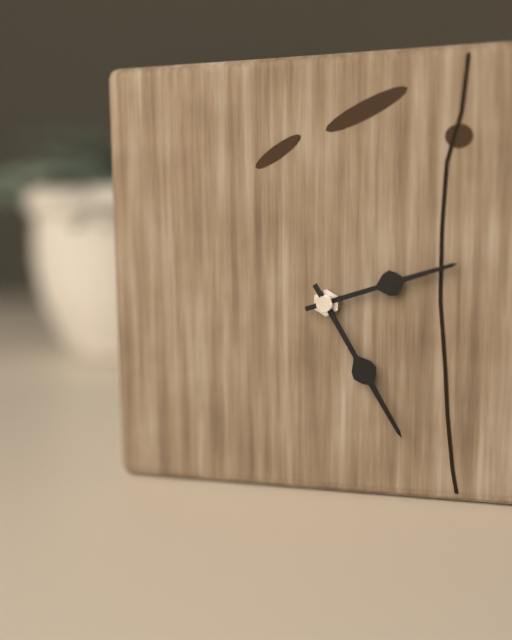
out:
2 h 25 min
